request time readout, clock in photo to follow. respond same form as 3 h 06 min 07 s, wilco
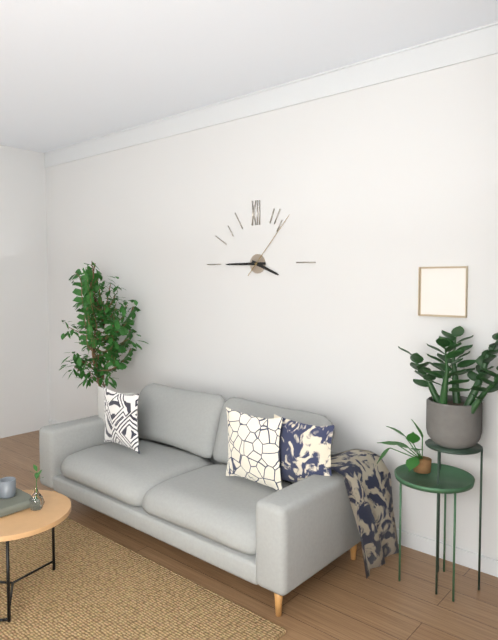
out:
3 h 45 min 07 s
